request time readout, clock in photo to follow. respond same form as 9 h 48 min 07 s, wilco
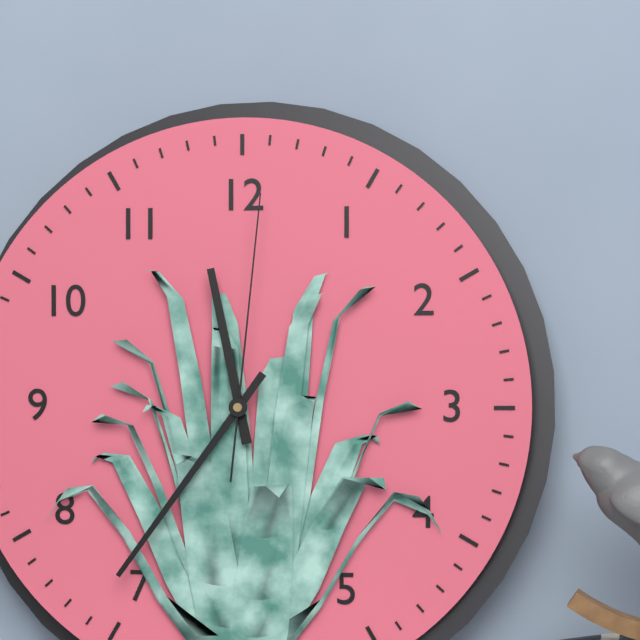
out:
11 h 36 min 01 s
